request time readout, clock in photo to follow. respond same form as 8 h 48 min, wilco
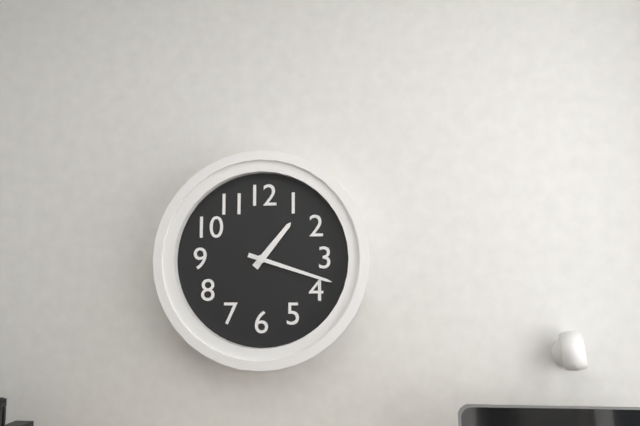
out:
1 h 18 min
